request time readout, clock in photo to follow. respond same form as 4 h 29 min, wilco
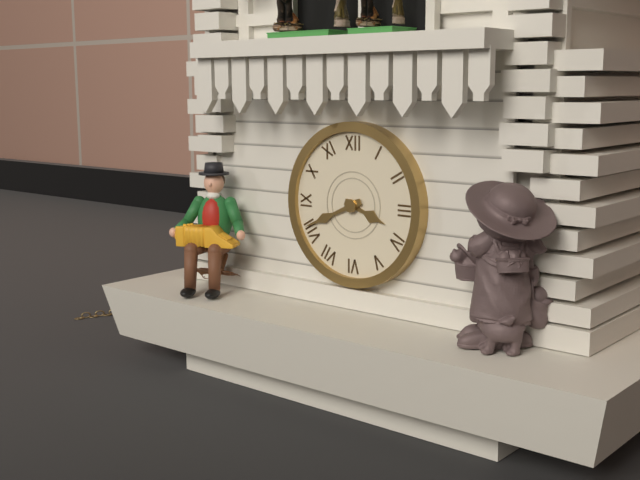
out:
3 h 41 min
